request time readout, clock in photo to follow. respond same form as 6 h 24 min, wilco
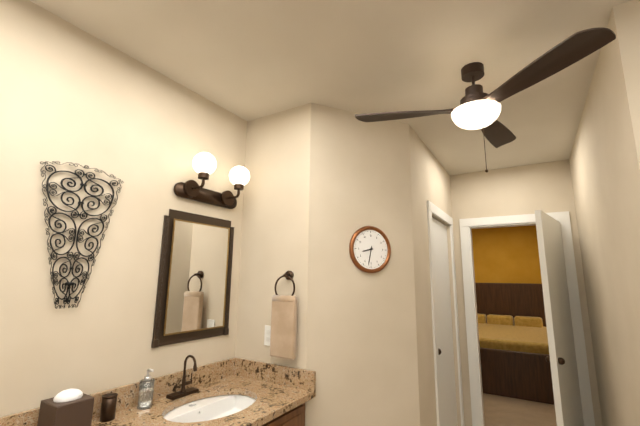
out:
8 h 32 min
